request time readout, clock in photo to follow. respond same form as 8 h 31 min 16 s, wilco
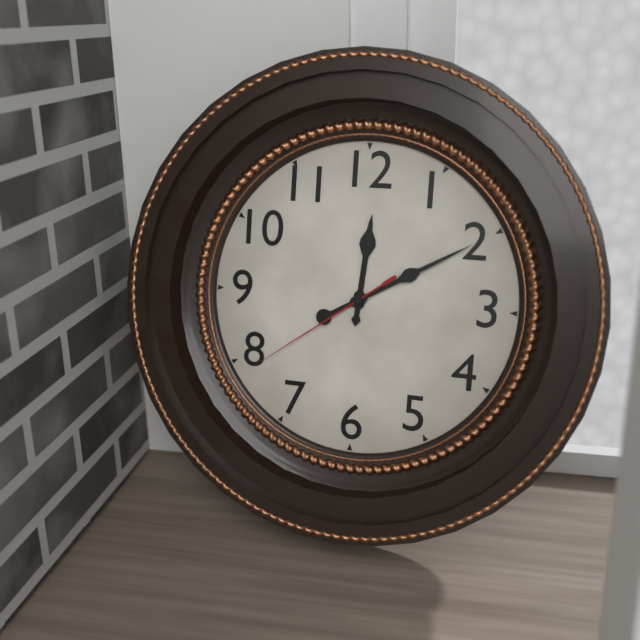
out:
12 h 10 min 39 s
